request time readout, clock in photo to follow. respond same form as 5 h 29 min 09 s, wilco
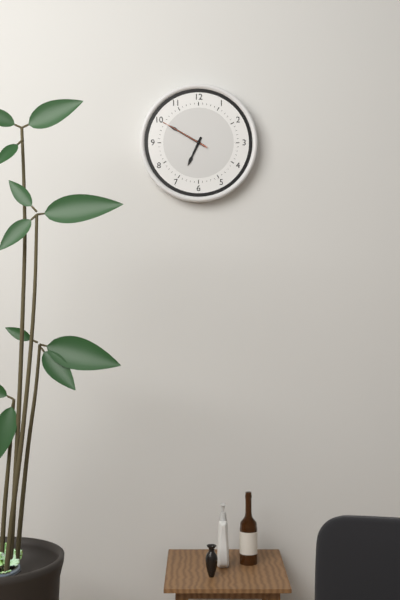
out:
6 h 50 min 50 s
